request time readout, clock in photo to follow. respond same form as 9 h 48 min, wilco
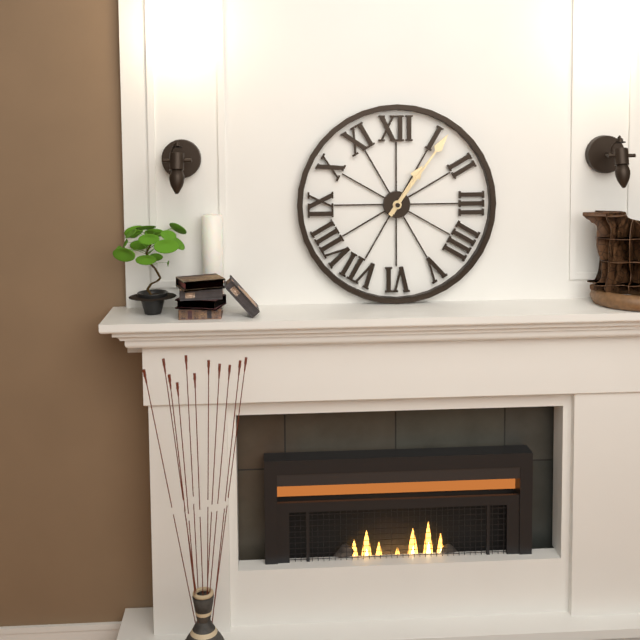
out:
1 h 06 min
